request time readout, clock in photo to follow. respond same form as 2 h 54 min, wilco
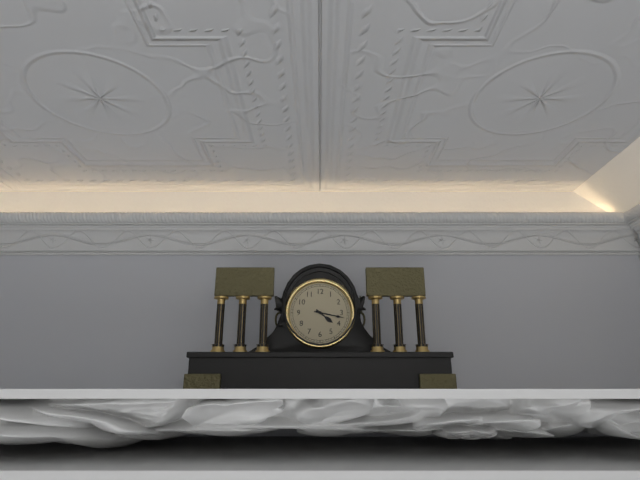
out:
4 h 17 min
